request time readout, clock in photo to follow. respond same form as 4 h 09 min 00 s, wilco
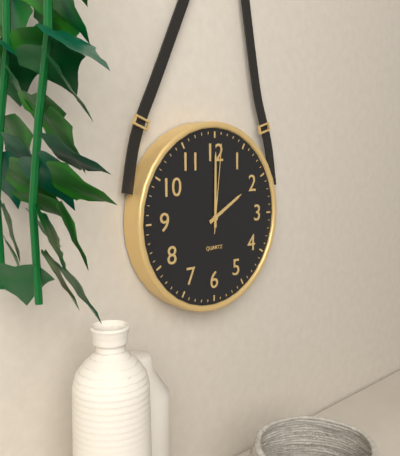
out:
2 h 00 min 01 s
